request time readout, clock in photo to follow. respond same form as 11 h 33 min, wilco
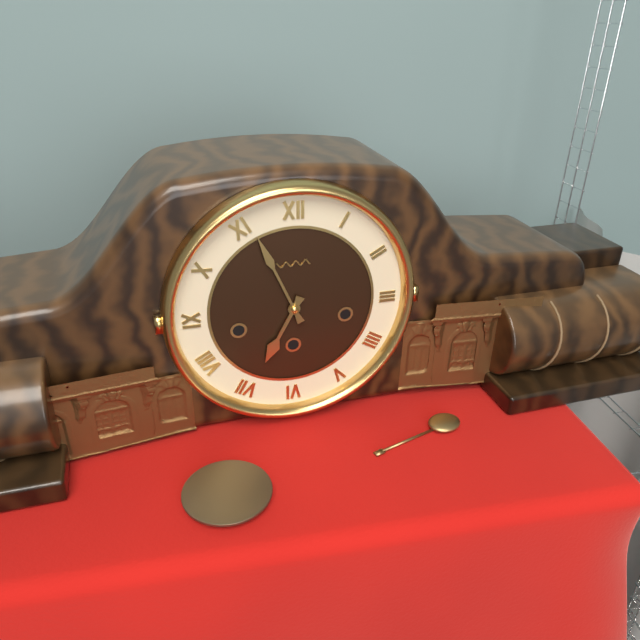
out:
6 h 56 min
